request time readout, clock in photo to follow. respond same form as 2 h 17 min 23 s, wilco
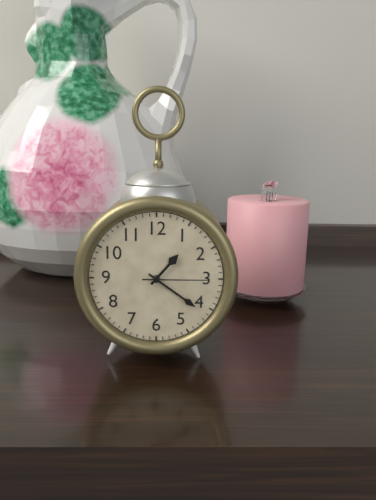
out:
1 h 21 min 15 s
